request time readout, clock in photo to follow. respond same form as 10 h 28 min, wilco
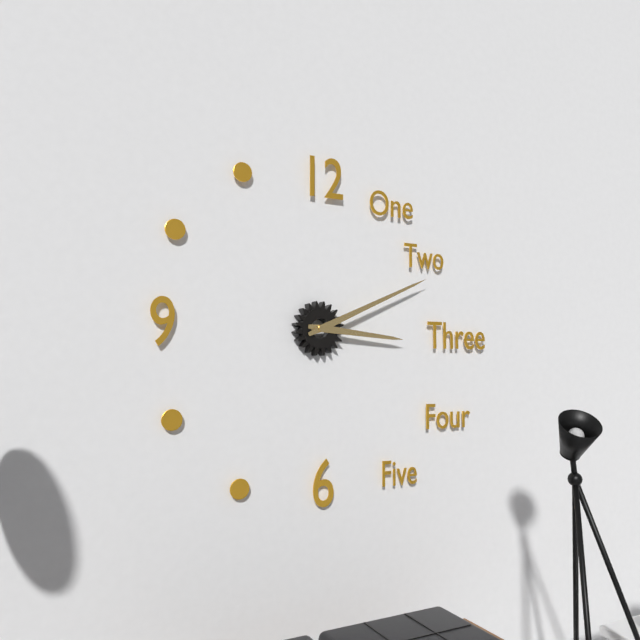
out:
3 h 11 min
